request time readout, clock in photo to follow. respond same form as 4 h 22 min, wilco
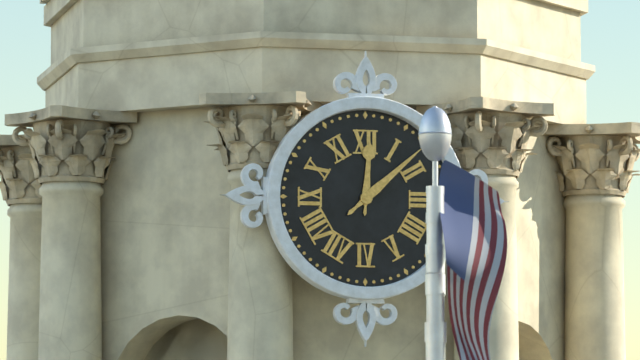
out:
12 h 08 min
